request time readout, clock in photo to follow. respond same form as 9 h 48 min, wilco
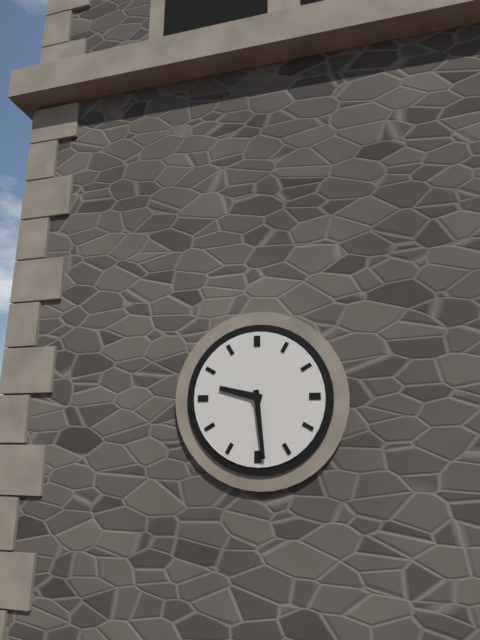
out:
9 h 29 min
